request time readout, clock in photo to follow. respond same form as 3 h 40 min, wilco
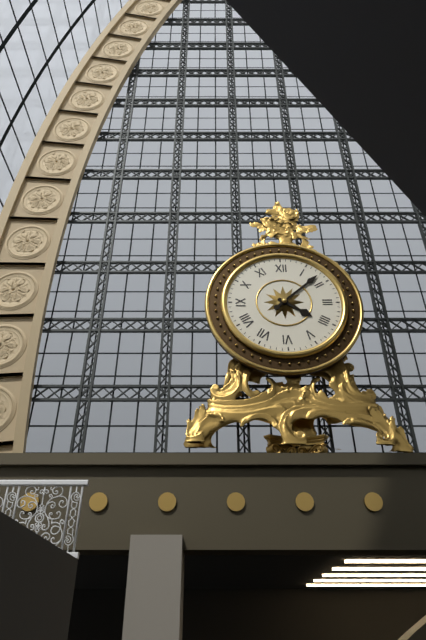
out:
4 h 08 min
